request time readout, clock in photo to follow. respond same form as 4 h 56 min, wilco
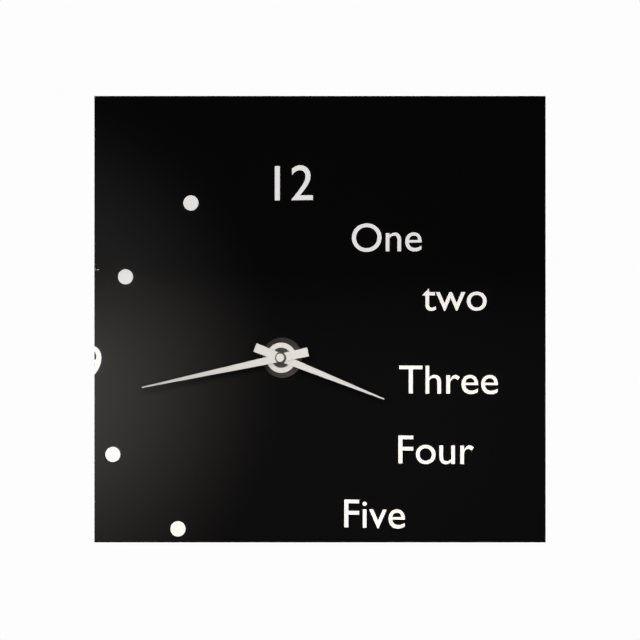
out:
3 h 43 min
